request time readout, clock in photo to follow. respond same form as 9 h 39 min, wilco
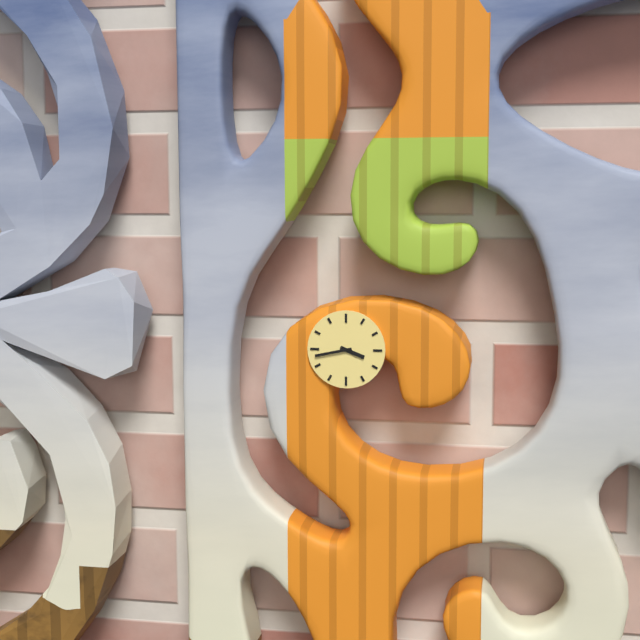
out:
3 h 43 min
